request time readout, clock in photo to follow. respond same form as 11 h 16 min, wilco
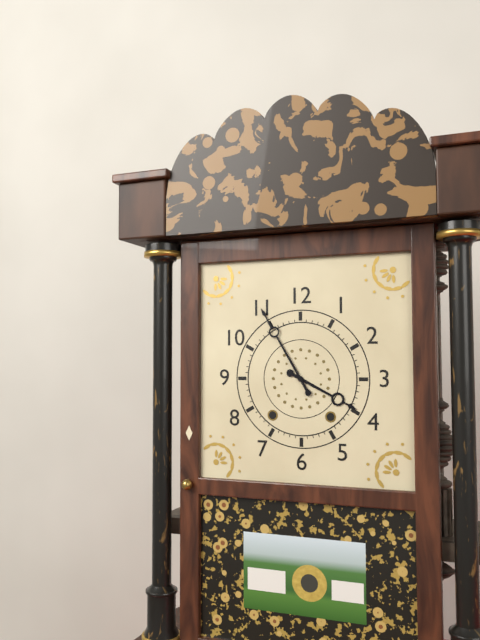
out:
3 h 55 min
